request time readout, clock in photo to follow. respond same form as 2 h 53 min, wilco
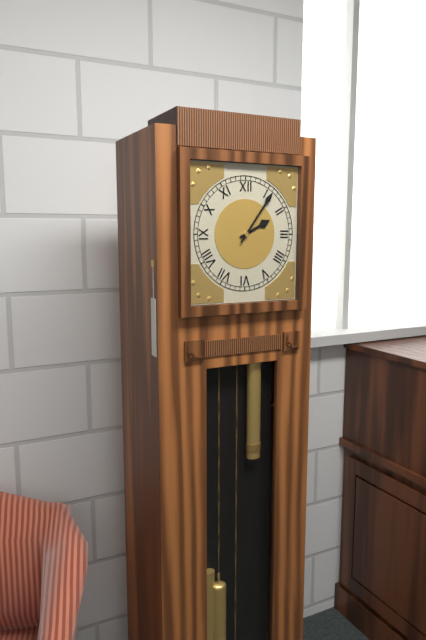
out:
2 h 06 min
